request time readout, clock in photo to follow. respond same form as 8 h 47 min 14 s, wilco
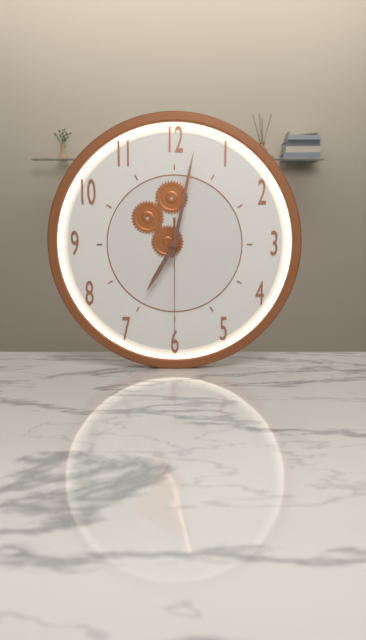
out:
7 h 02 min 30 s
